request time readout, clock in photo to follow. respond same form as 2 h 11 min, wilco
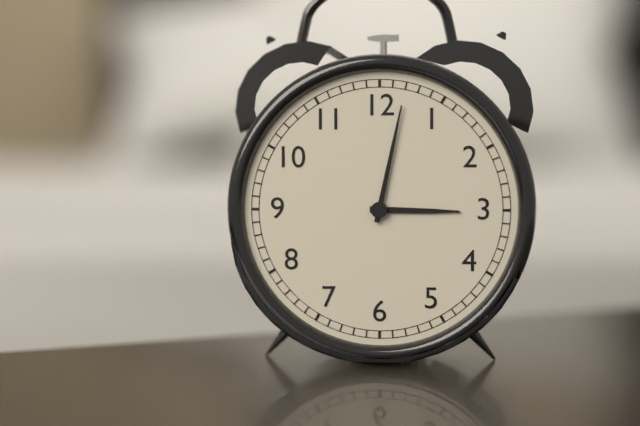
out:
3 h 02 min
